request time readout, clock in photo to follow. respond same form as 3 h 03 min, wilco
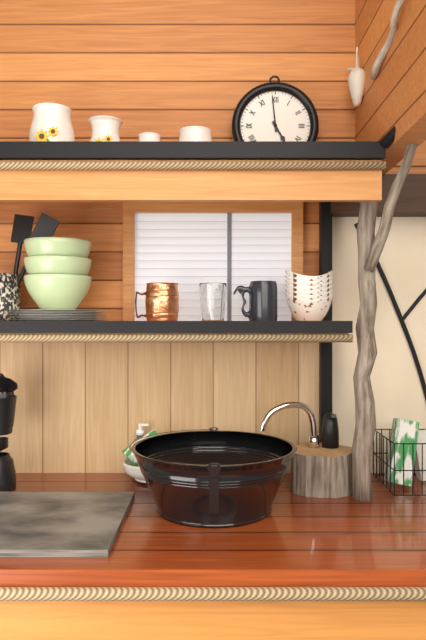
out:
4 h 59 min
